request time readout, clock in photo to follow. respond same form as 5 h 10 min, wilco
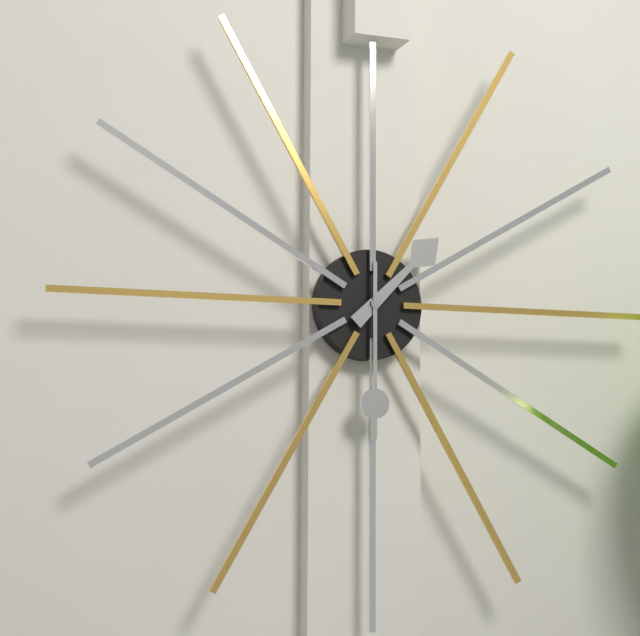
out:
1 h 30 min
